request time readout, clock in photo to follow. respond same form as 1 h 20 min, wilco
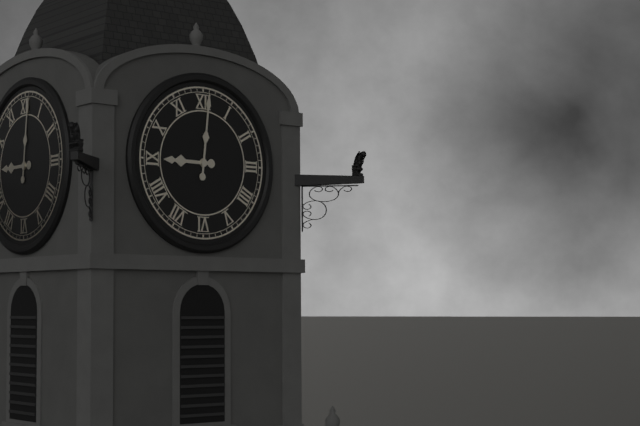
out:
9 h 01 min
